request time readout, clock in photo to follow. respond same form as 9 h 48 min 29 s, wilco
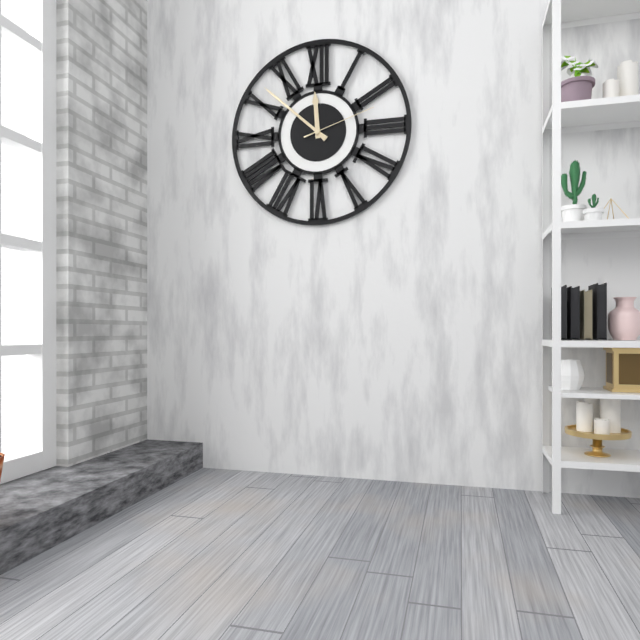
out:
11 h 52 min 12 s
